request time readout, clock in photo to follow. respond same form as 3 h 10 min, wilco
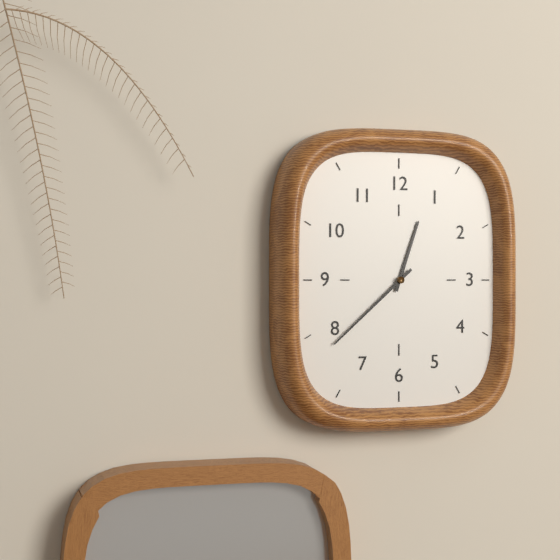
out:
12 h 38 min
